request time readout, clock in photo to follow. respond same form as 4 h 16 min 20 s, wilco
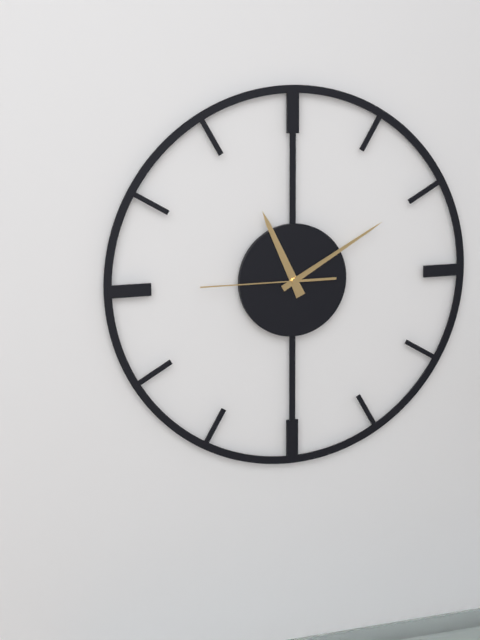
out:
11 h 10 min 45 s
